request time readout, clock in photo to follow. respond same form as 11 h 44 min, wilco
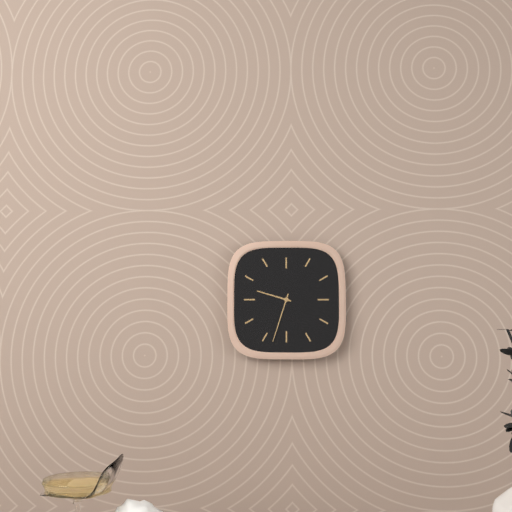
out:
9 h 33 min
